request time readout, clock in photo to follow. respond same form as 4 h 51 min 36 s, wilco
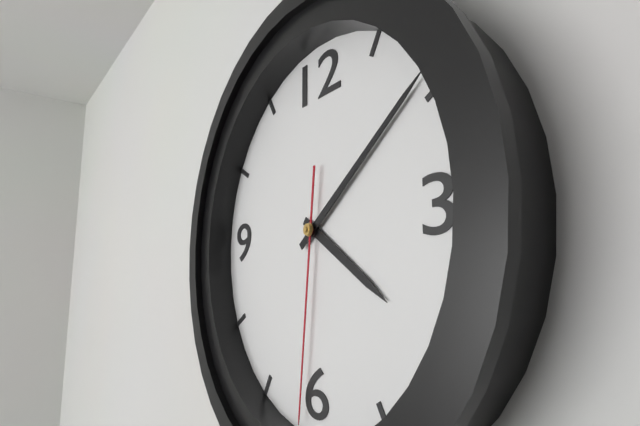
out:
4 h 09 min 31 s
